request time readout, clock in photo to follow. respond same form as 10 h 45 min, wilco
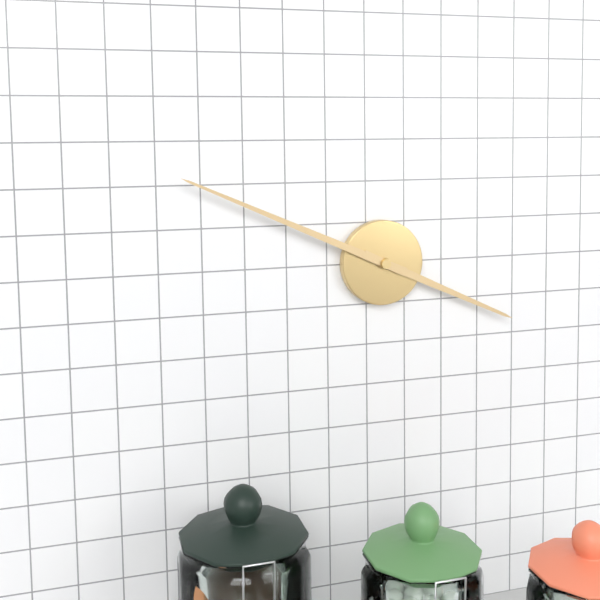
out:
3 h 49 min
